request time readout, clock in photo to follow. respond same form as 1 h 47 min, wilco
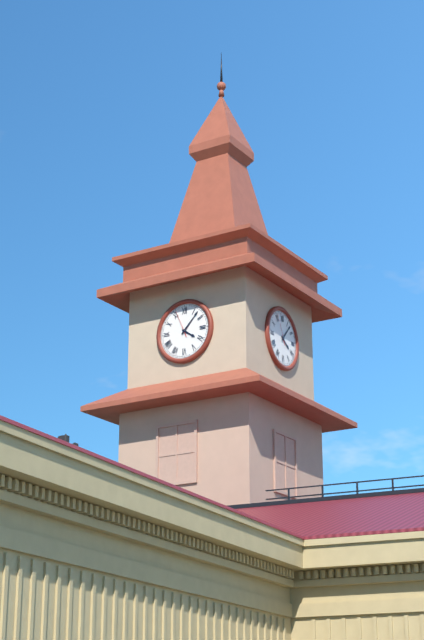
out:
4 h 07 min
